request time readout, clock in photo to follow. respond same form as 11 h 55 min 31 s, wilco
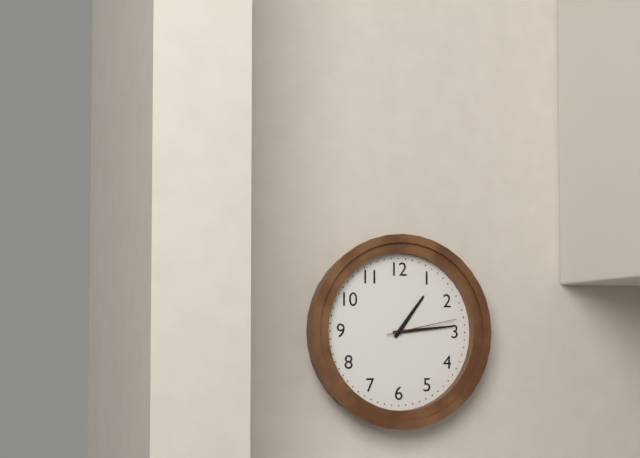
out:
1 h 14 min 13 s
